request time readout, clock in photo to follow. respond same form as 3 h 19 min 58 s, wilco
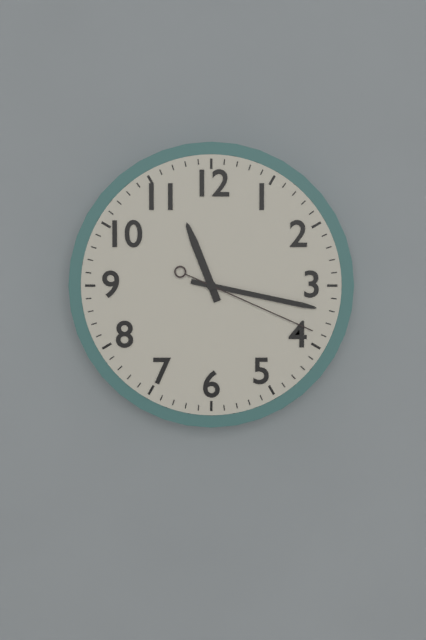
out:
11 h 17 min 19 s
